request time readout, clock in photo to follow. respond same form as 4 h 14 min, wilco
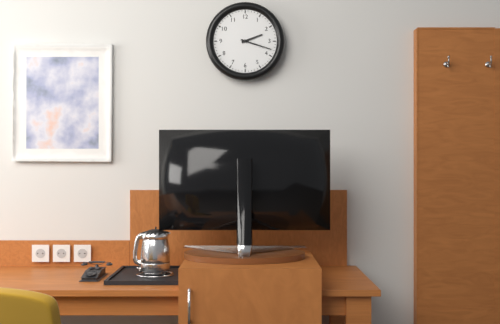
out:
2 h 18 min
